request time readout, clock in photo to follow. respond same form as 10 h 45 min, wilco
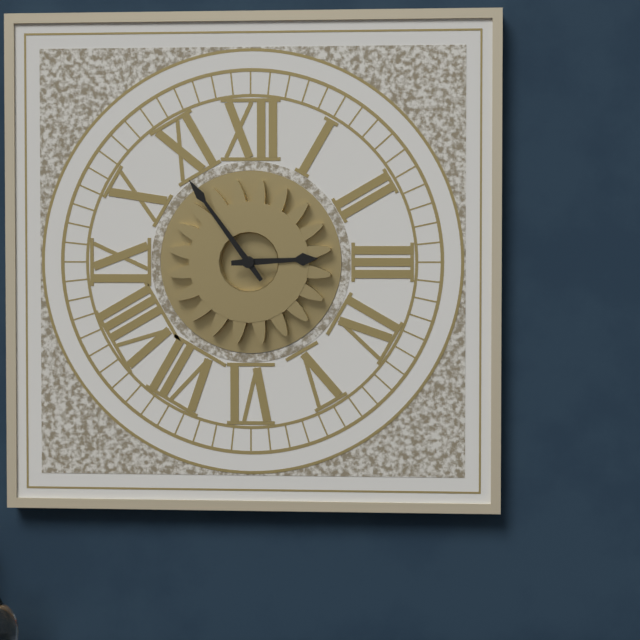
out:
2 h 54 min
